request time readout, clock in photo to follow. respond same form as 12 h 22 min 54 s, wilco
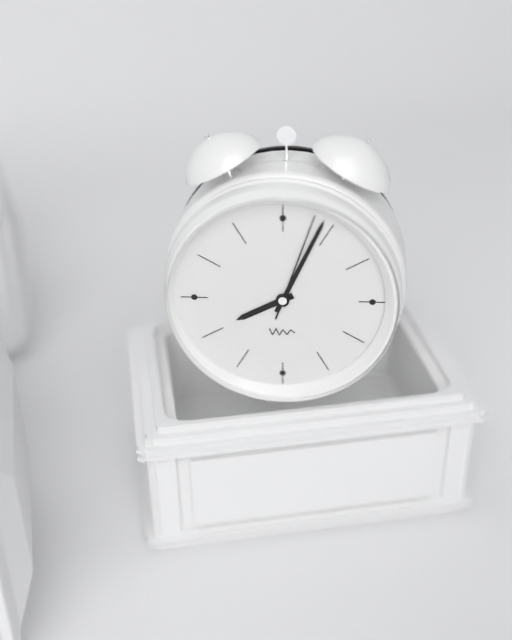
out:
8 h 04 min 03 s
